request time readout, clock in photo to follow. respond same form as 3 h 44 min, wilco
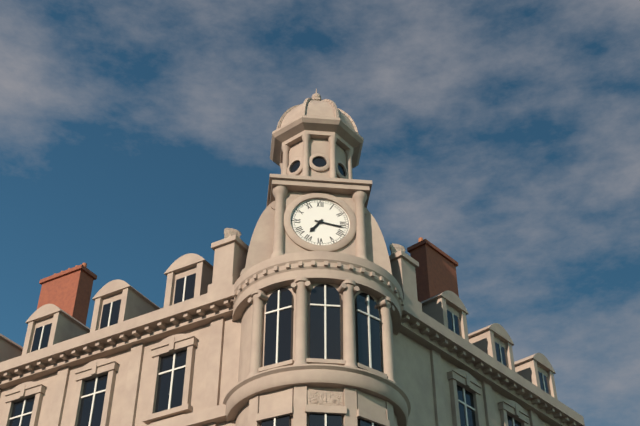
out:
7 h 17 min
